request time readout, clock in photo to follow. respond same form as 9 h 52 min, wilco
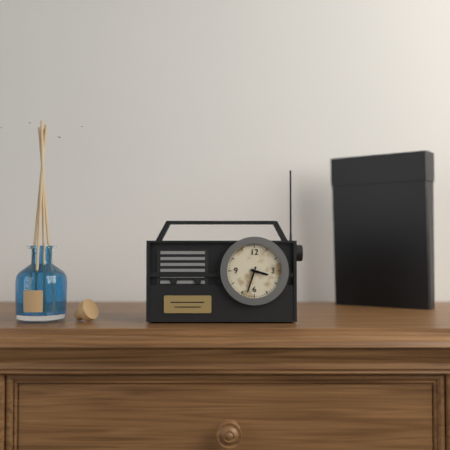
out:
3 h 33 min
